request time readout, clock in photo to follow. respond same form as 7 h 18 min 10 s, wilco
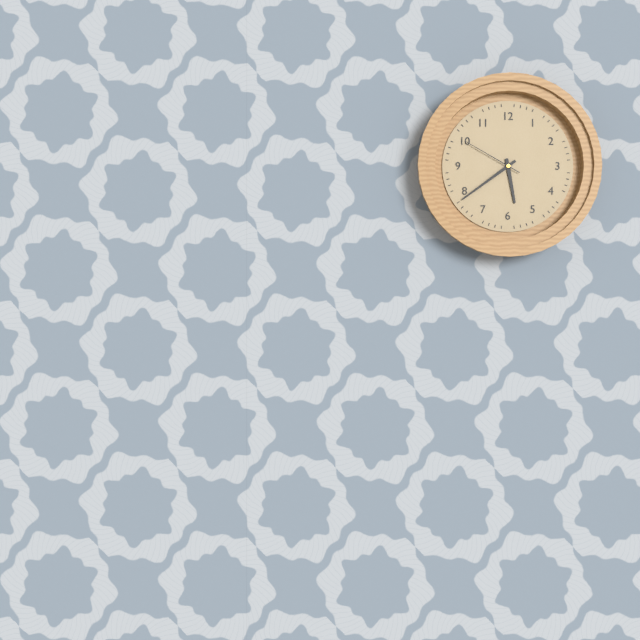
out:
5 h 39 min 50 s
